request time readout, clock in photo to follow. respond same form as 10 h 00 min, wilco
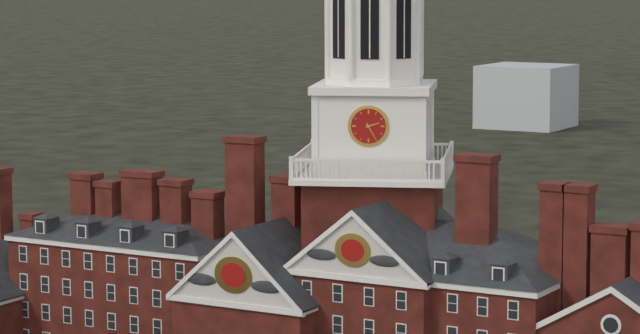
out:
2 h 25 min
